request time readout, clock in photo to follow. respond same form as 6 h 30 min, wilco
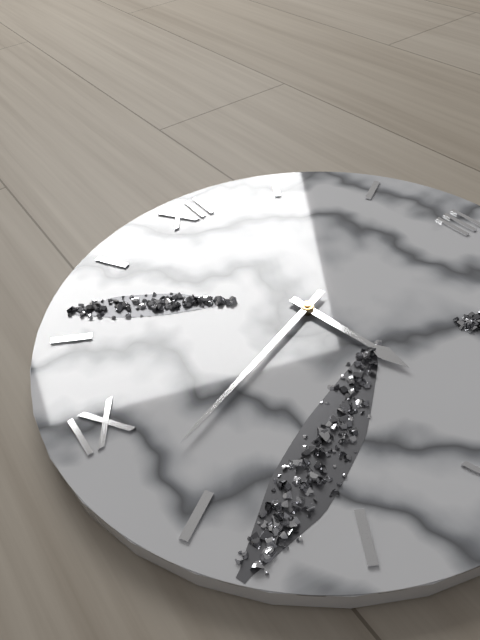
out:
5 h 42 min
